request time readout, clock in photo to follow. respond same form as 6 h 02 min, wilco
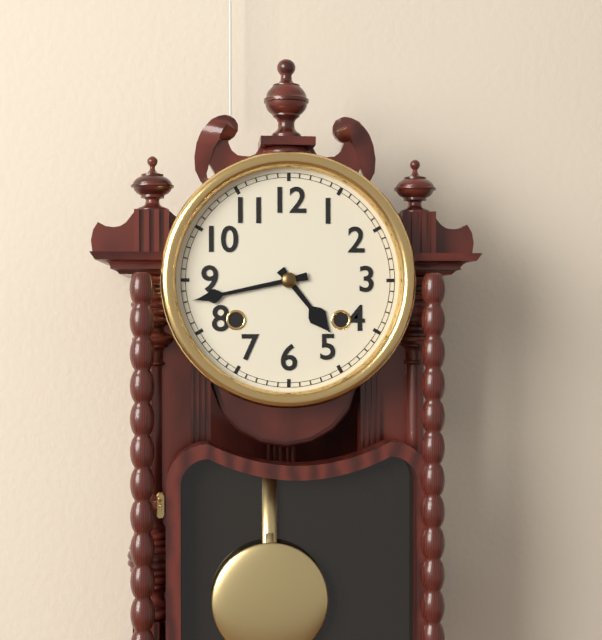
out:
4 h 43 min
